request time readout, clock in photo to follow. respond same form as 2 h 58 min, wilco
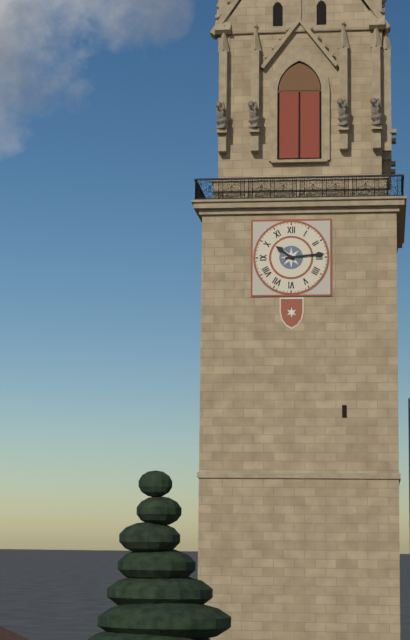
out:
10 h 14 min
